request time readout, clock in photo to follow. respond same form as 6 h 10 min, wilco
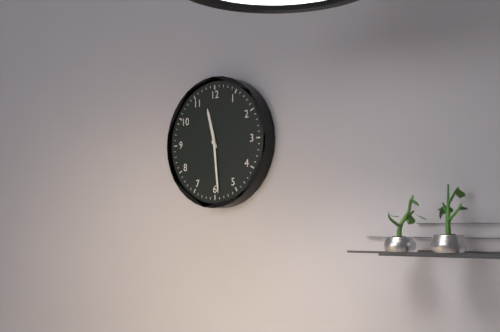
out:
11 h 29 min
